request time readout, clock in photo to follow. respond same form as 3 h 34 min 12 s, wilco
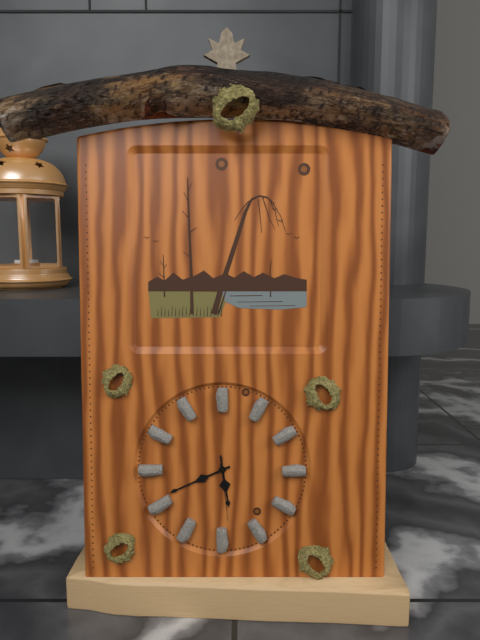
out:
5 h 41 min 29 s
